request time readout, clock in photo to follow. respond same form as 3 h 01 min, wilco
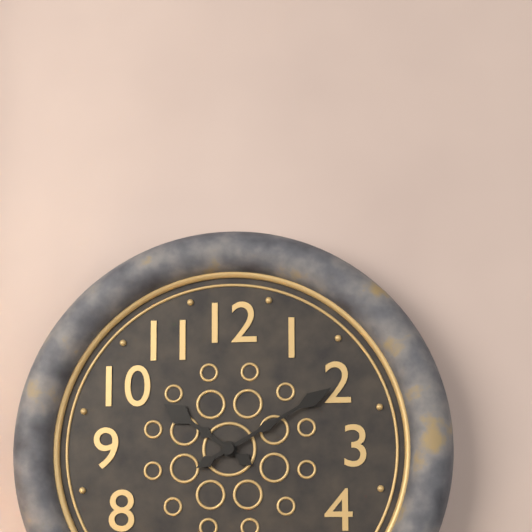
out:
10 h 10 min
